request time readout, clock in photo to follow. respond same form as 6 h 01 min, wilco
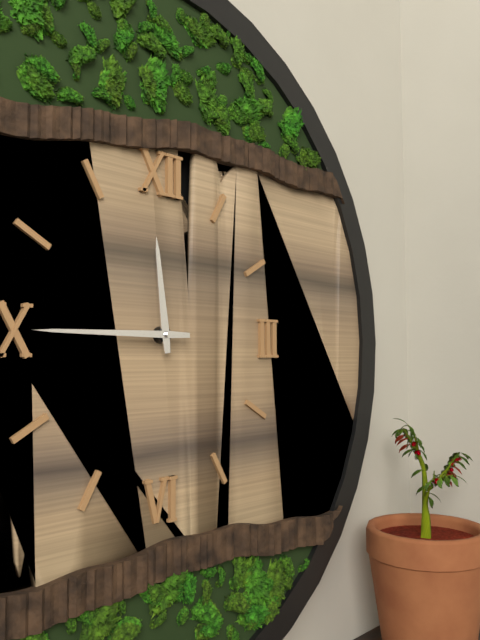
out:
11 h 45 min
